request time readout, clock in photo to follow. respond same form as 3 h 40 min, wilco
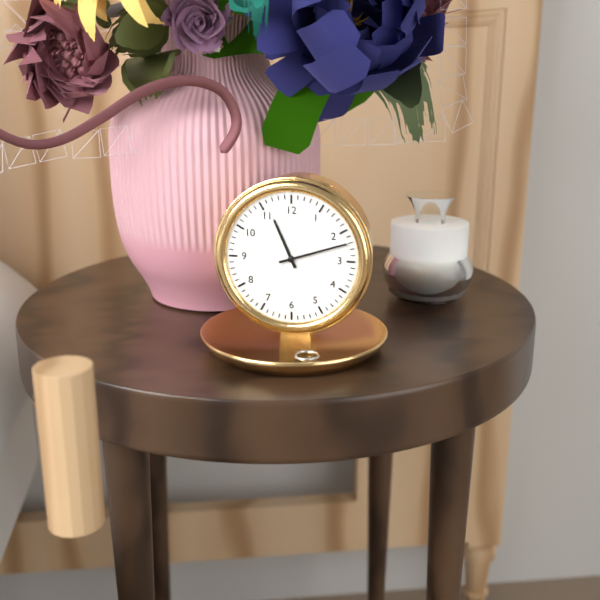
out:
11 h 12 min
